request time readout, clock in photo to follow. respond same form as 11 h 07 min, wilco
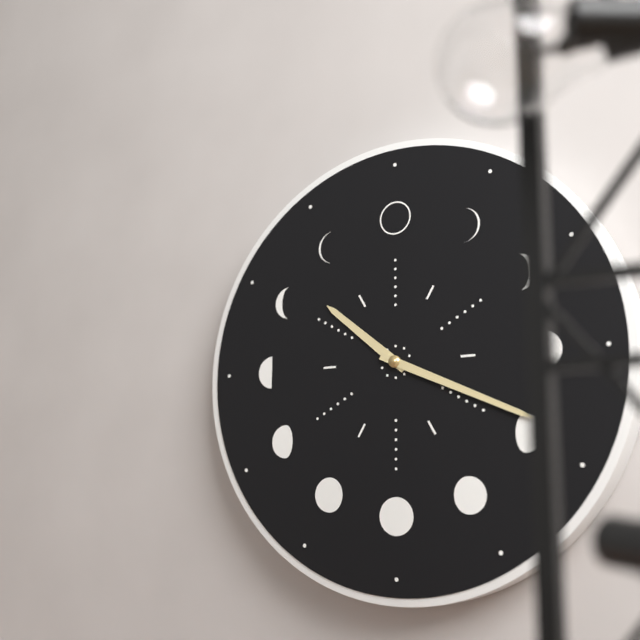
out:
10 h 19 min
